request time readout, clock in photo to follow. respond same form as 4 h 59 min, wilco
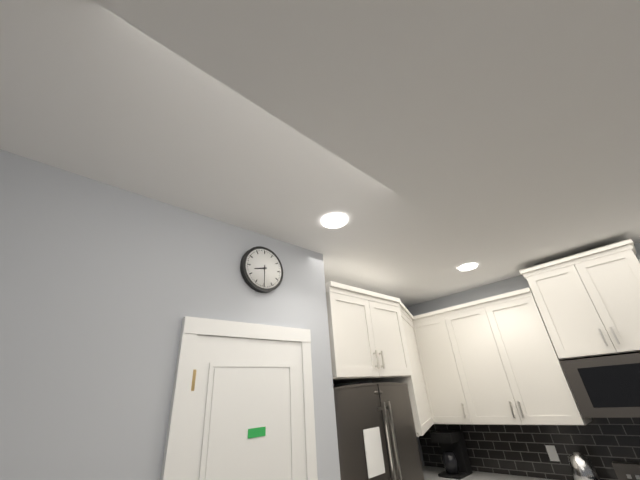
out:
8 h 30 min
